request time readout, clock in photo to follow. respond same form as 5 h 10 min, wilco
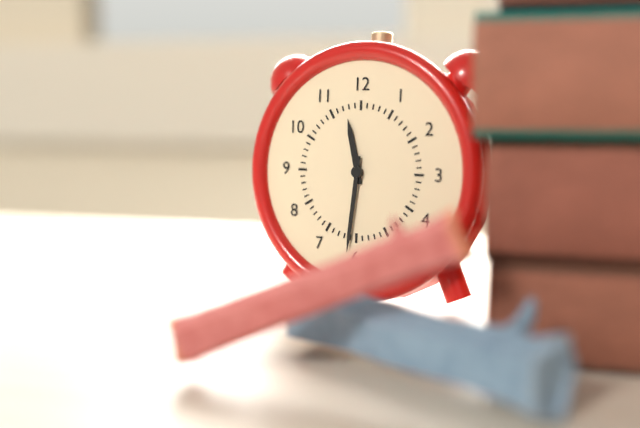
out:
11 h 31 min
